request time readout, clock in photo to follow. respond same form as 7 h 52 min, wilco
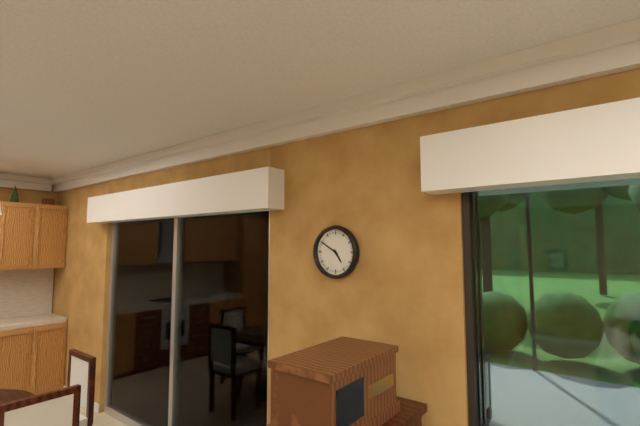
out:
4 h 50 min
